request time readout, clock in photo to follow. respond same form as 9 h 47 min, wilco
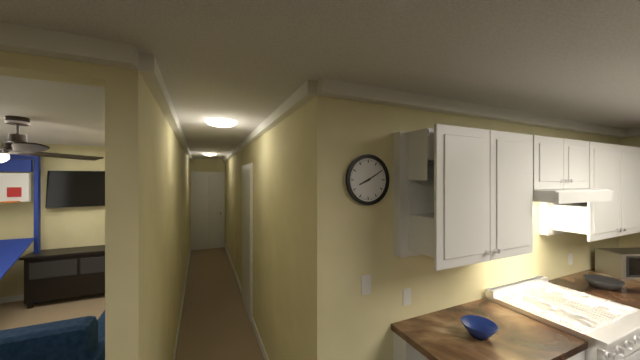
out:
8 h 10 min
